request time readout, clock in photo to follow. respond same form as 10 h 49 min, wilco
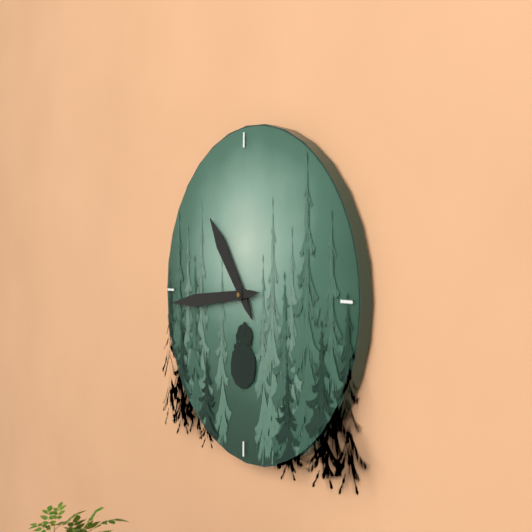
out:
10 h 44 min
